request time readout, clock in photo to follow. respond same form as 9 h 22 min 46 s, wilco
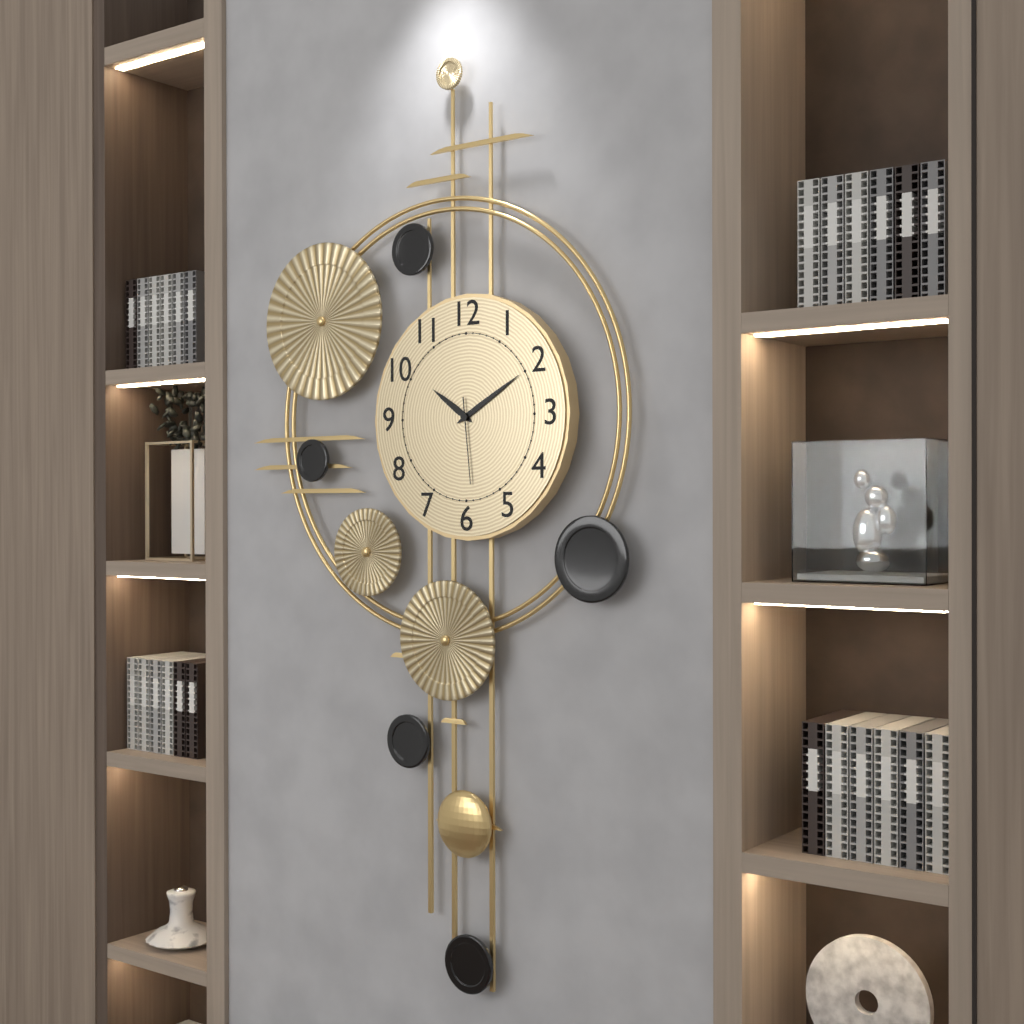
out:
10 h 10 min 29 s
